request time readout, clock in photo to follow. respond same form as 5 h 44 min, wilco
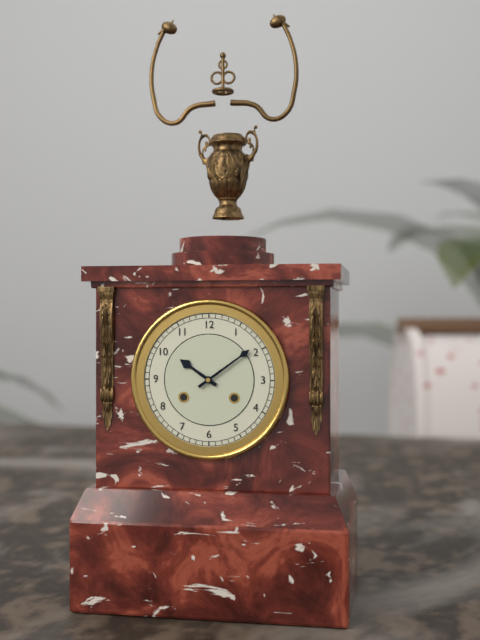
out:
10 h 09 min
